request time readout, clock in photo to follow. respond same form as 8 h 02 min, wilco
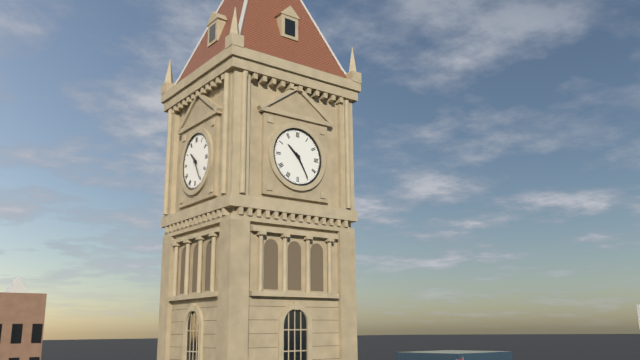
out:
10 h 25 min
